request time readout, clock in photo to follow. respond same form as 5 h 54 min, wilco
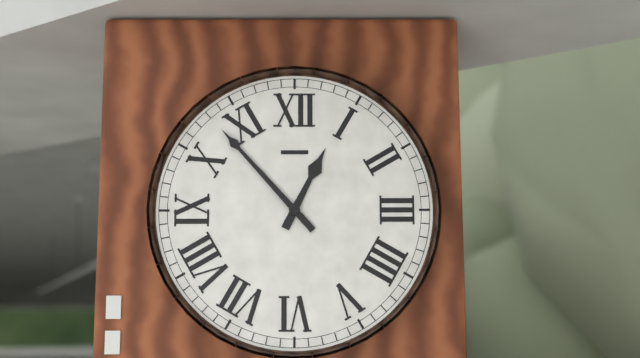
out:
12 h 53 min
